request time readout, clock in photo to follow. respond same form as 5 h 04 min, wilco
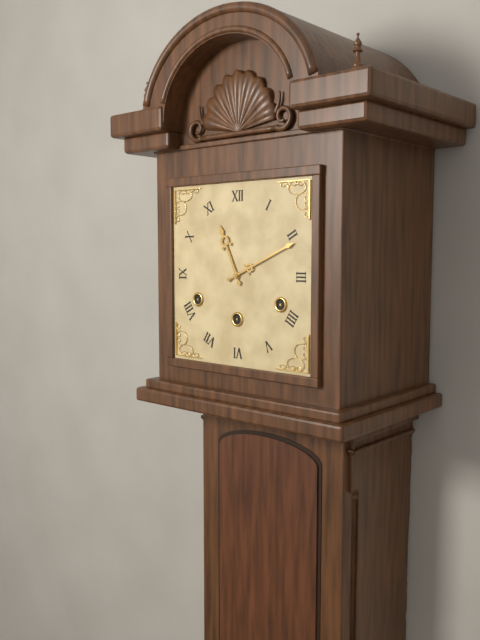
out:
11 h 11 min
